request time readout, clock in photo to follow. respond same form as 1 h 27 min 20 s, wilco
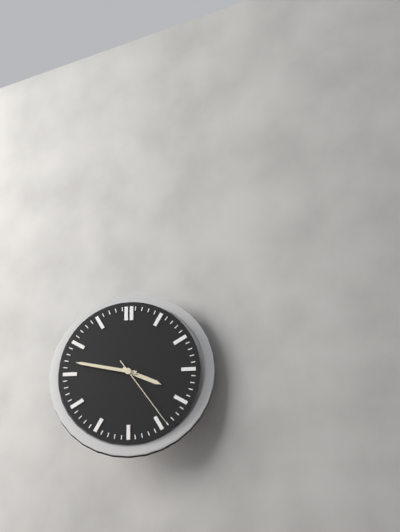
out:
3 h 47 min 24 s
